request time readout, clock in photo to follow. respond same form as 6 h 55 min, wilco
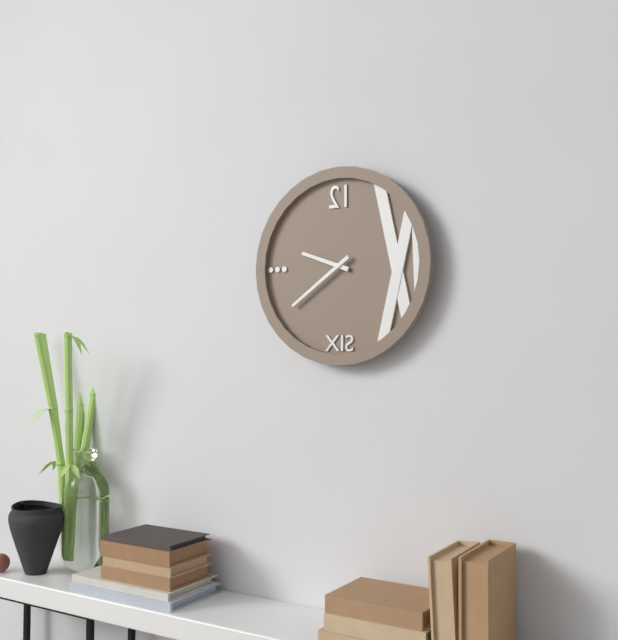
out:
9 h 39 min
